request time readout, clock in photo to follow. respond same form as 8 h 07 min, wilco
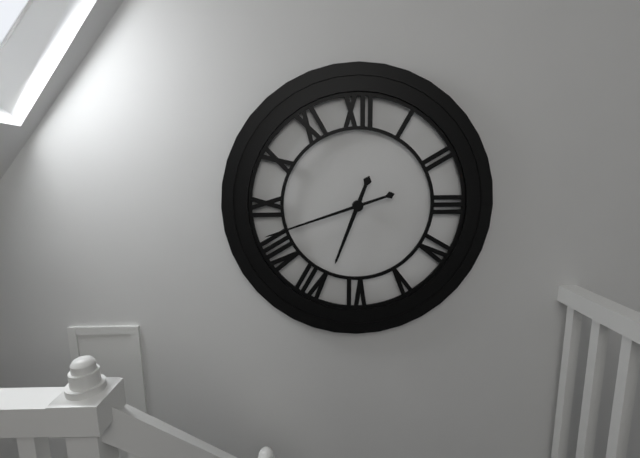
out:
6 h 42 min
